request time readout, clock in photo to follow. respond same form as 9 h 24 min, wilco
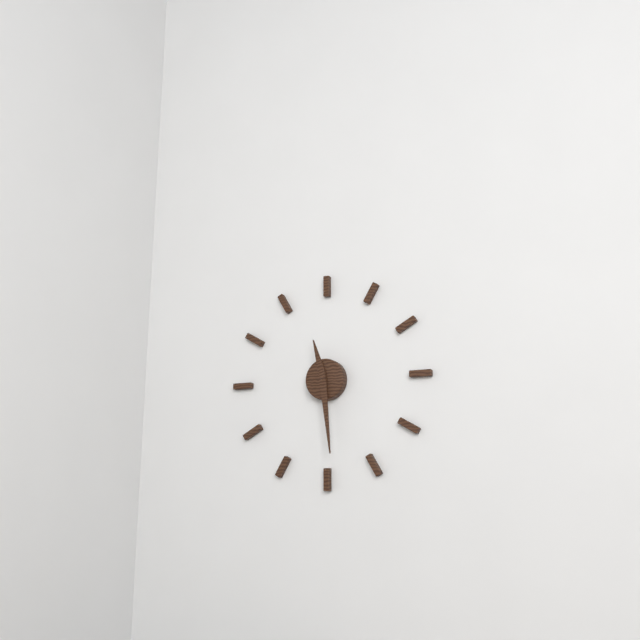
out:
11 h 29 min
